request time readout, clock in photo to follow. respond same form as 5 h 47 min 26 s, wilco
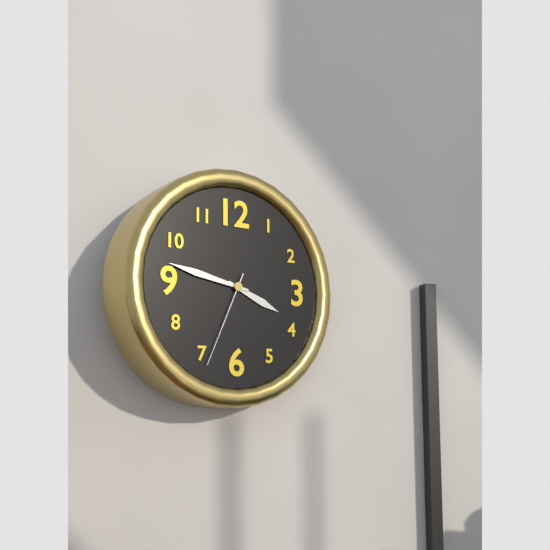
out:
3 h 47 min 34 s
